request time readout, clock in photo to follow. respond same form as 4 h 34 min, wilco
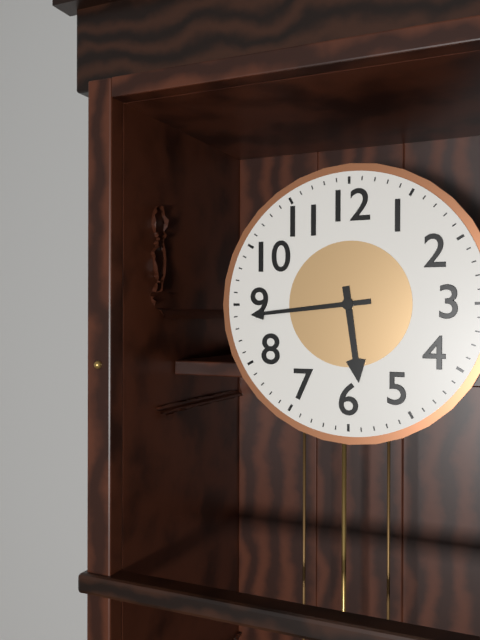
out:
5 h 44 min
